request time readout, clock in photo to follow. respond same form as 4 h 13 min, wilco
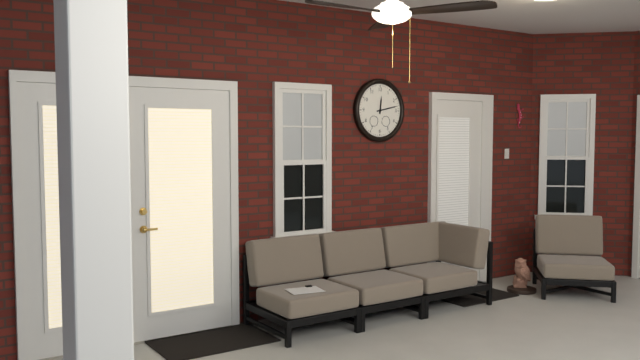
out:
12 h 13 min
